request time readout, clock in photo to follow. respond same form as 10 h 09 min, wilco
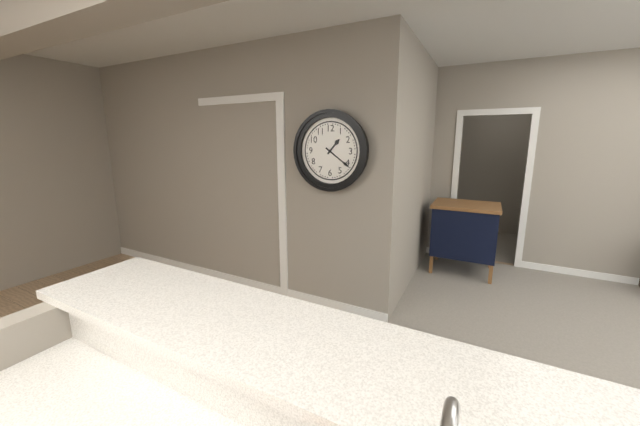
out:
1 h 21 min
